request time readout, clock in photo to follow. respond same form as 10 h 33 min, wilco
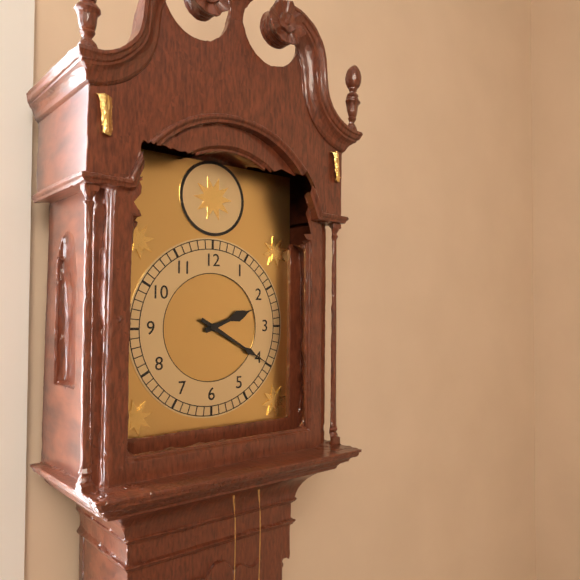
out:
2 h 20 min
